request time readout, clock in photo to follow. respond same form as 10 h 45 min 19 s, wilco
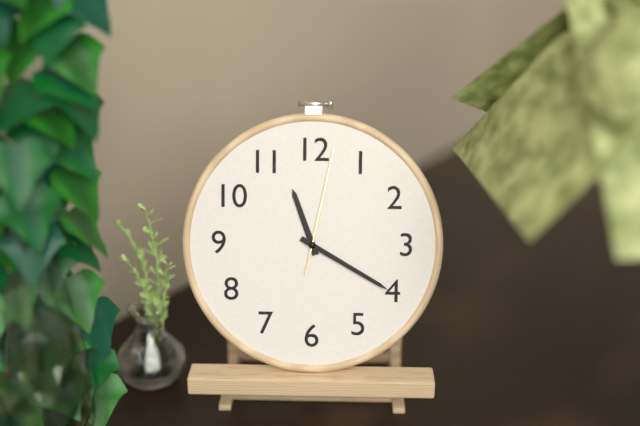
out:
11 h 20 min 02 s
